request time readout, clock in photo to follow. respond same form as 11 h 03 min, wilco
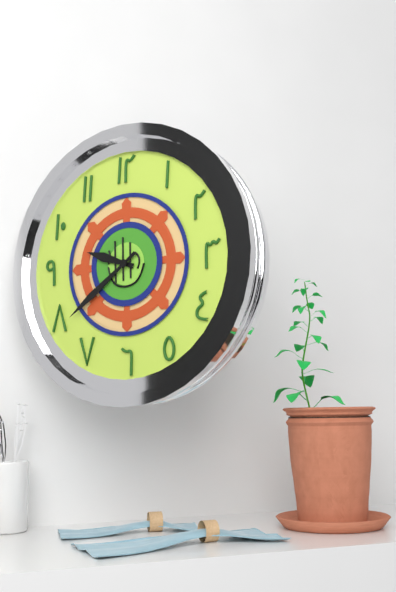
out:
9 h 39 min
